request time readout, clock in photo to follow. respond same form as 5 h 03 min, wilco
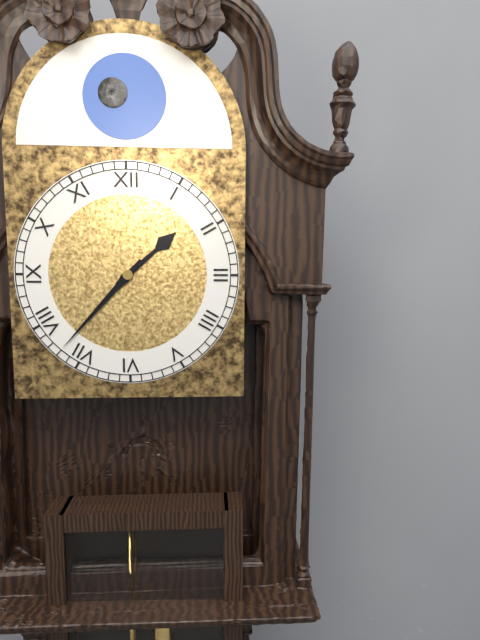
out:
1 h 37 min
